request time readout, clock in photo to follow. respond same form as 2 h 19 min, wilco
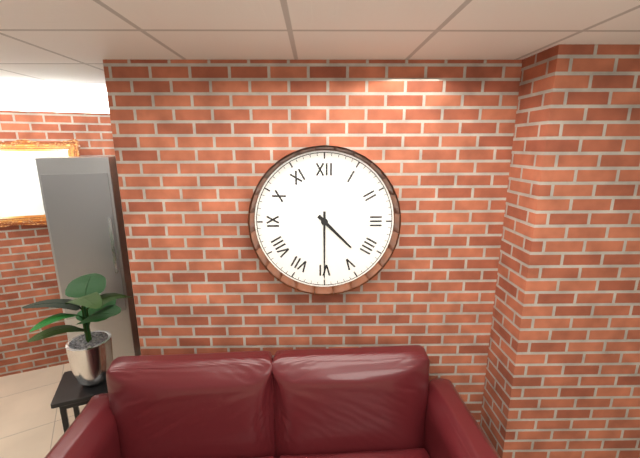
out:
4 h 30 min
